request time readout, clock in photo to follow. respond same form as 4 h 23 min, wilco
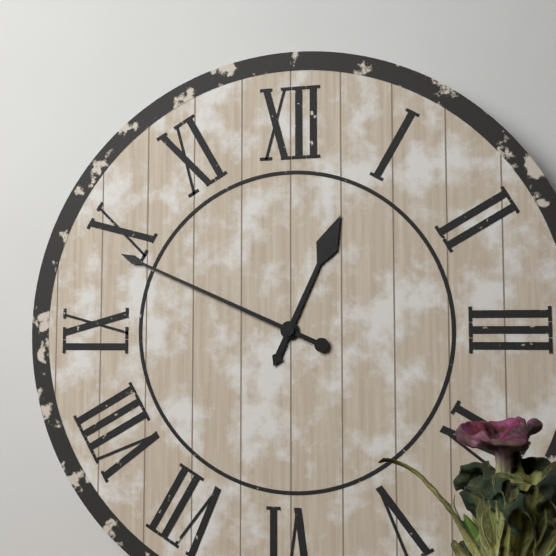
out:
12 h 49 min
